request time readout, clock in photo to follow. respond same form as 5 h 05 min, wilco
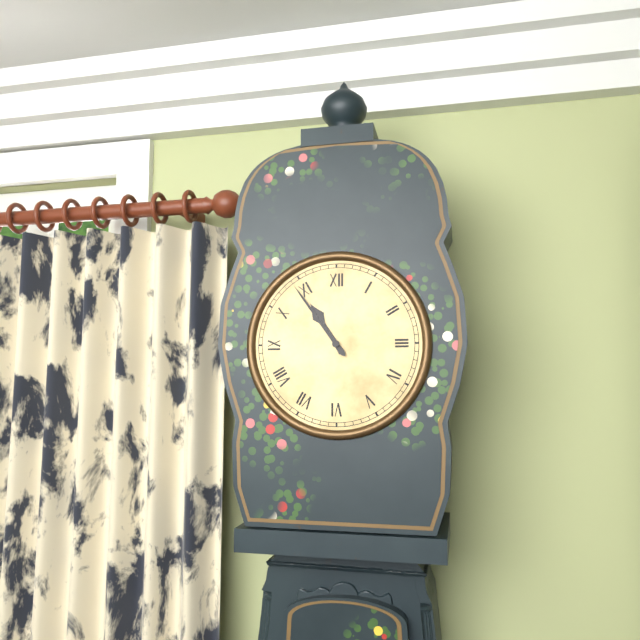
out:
10 h 54 min
